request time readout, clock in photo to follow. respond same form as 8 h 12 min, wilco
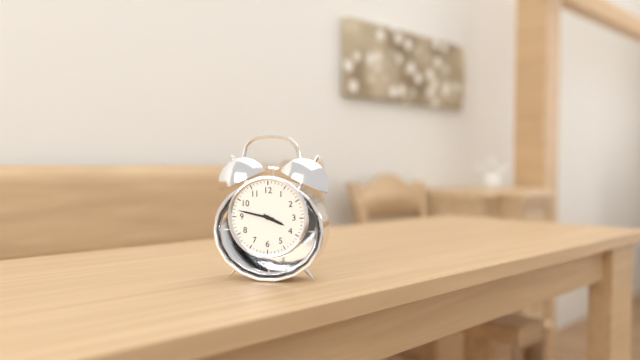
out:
3 h 47 min
